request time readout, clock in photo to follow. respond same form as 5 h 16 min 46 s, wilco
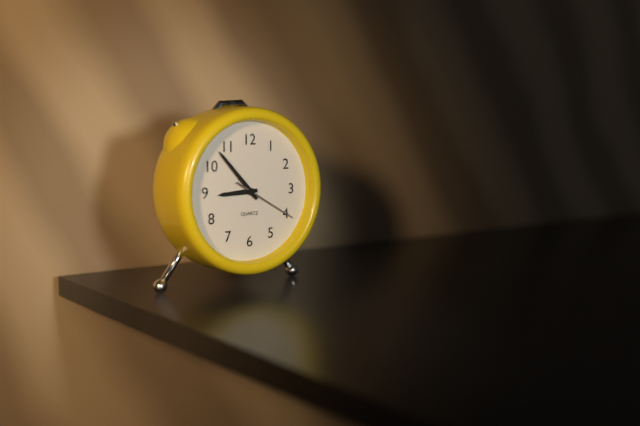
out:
8 h 53 min 20 s
